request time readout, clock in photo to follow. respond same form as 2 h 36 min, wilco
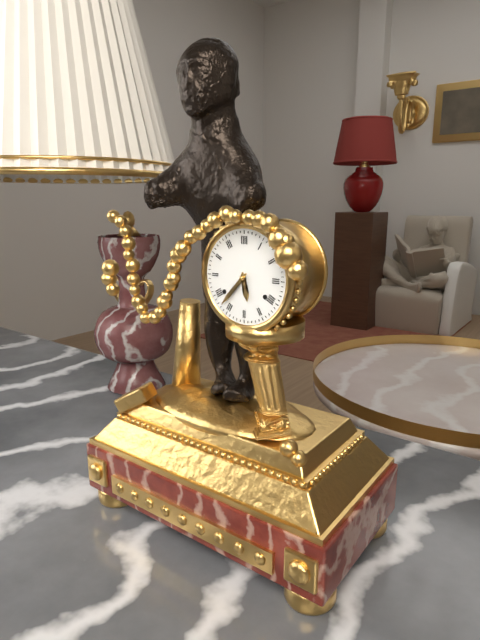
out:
5 h 37 min
